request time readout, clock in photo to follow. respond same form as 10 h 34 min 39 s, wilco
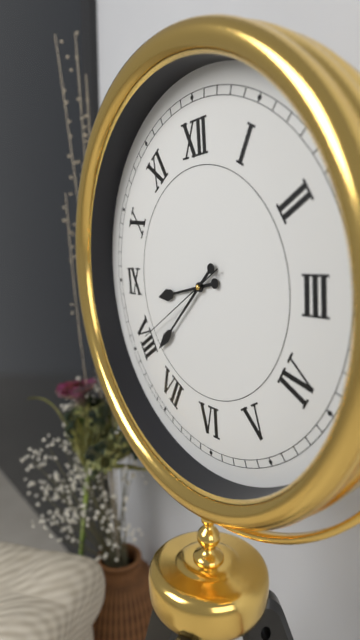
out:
8 h 38 min 40 s
